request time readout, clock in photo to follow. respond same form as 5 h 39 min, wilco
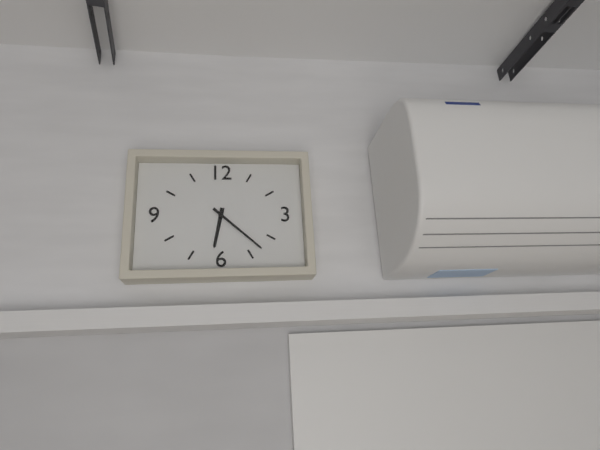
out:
6 h 22 min
